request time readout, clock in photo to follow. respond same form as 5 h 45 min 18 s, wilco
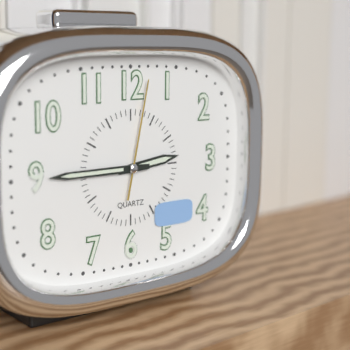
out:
2 h 45 min 02 s
